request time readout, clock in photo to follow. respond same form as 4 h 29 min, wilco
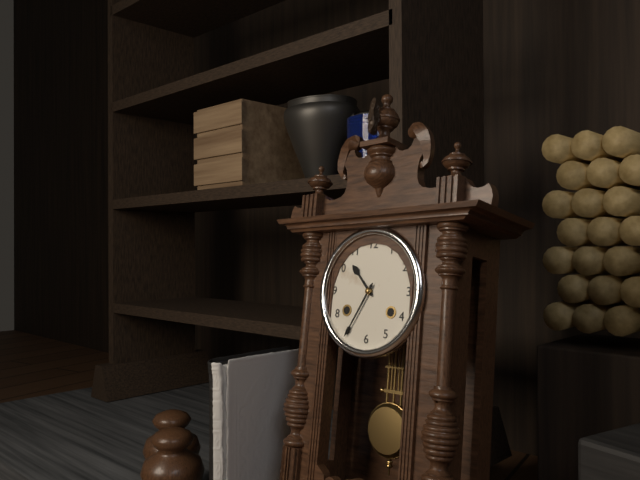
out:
10 h 35 min
